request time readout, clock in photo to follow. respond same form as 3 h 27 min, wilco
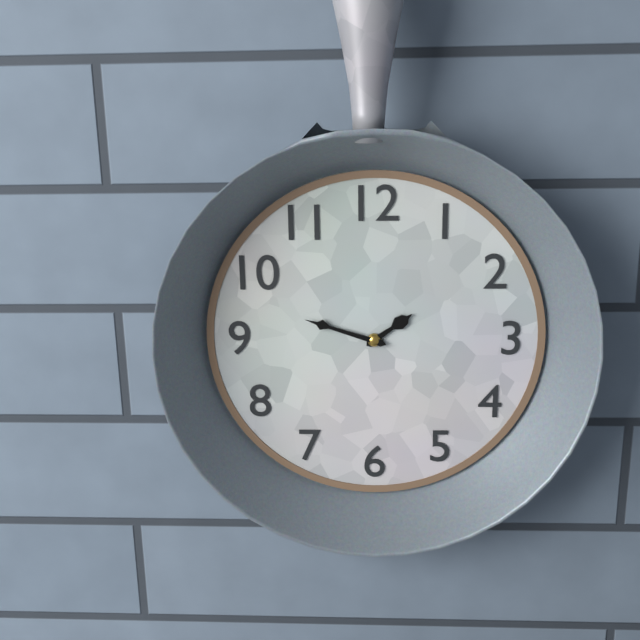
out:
1 h 48 min
